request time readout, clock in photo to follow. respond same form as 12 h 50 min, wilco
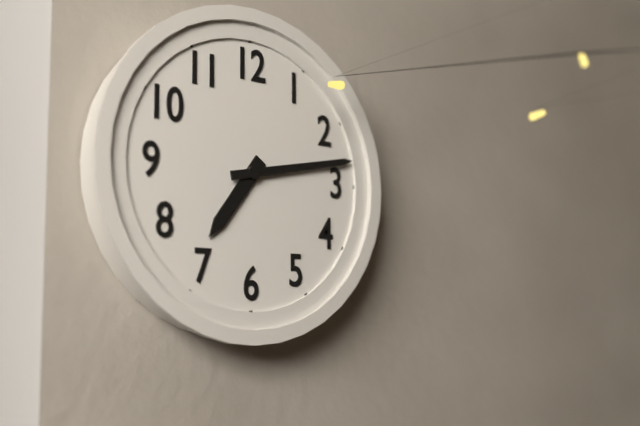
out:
7 h 13 min
